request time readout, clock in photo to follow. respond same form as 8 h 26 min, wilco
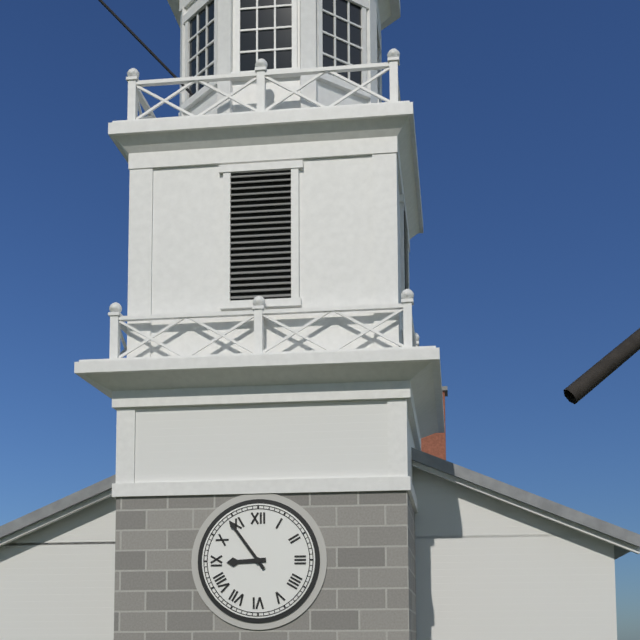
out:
8 h 54 min
